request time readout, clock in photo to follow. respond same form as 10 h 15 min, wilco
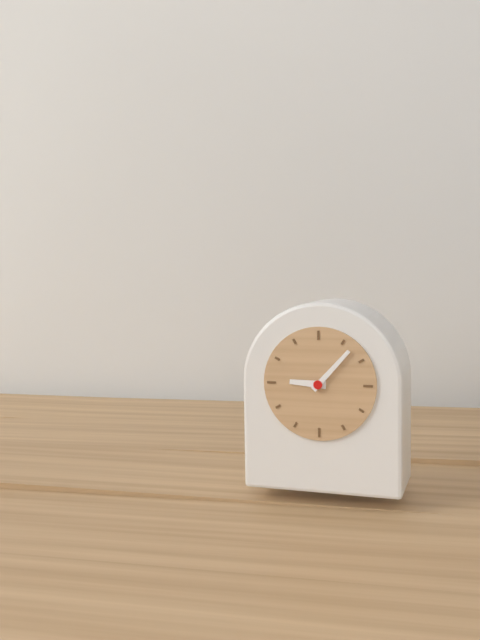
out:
9 h 07 min
